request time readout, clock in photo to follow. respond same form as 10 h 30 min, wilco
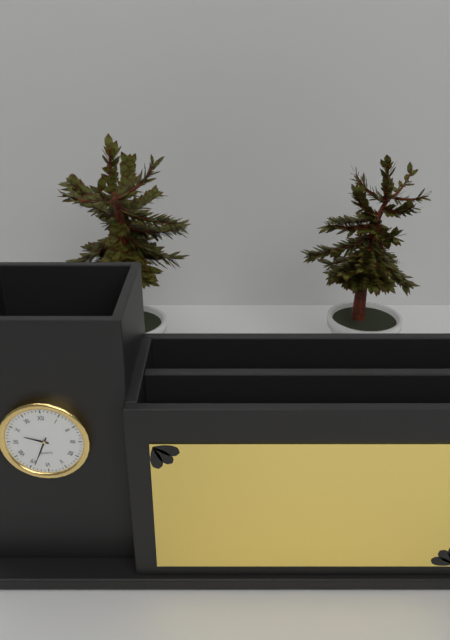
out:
9 h 34 min
